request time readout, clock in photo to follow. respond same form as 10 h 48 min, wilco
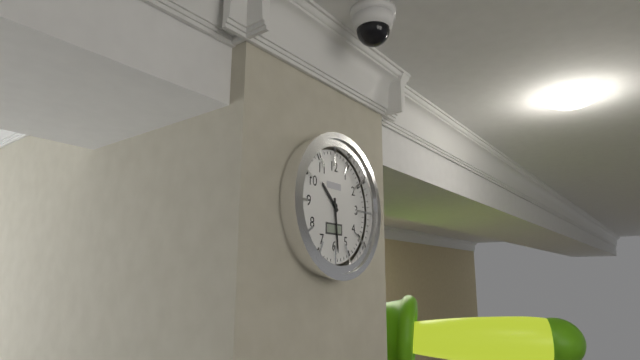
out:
10 h 29 min
